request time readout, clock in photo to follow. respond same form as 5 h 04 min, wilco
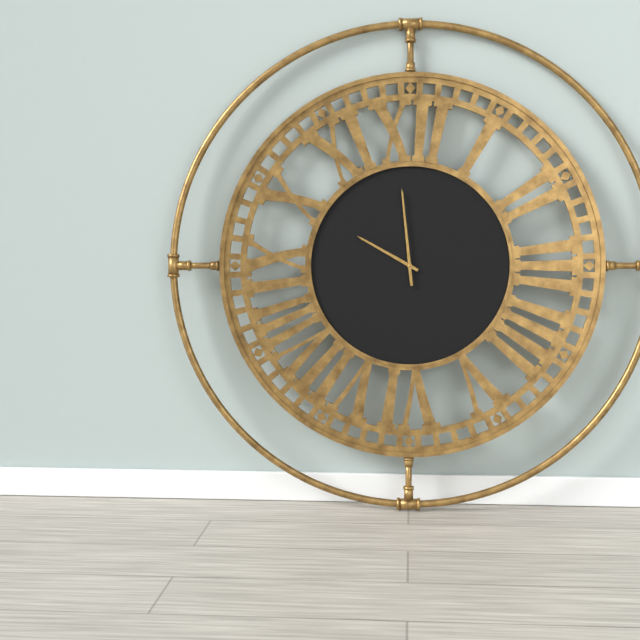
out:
9 h 59 min
